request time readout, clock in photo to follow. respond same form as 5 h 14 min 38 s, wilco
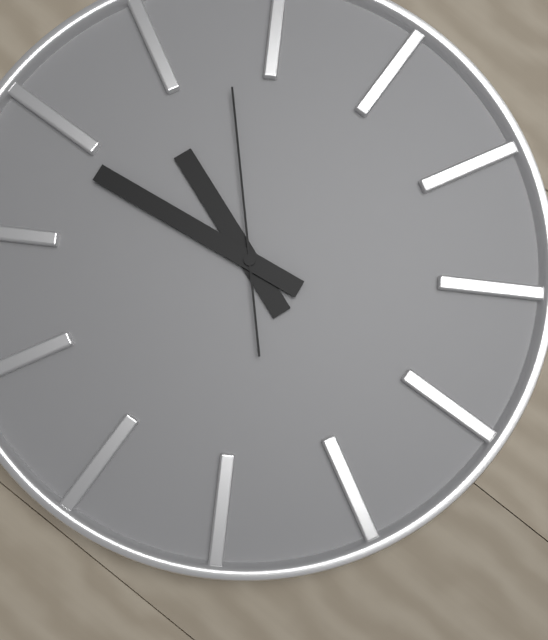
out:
9 h 44 min 53 s
